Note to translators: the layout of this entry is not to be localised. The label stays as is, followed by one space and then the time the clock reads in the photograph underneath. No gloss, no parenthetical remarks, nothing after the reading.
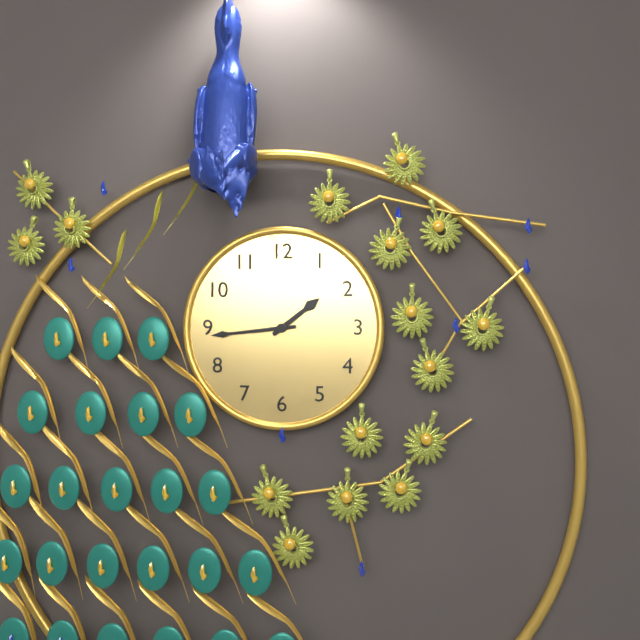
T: 1:44
